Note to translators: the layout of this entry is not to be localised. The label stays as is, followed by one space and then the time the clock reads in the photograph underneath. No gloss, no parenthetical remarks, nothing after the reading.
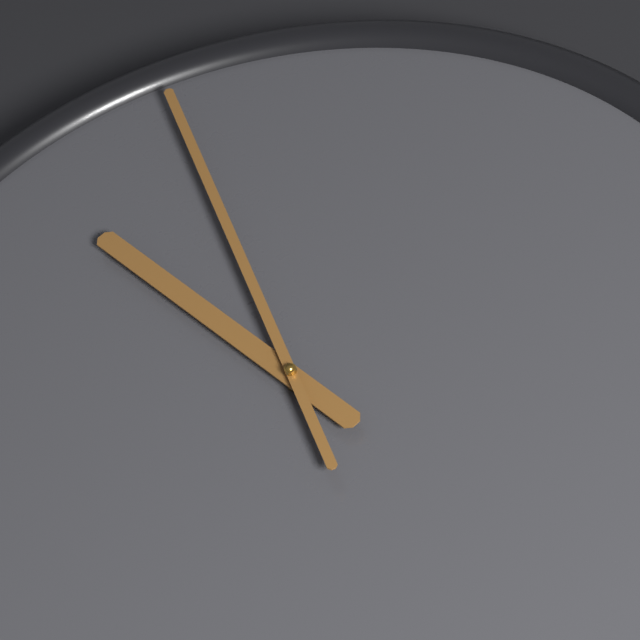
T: 10:59
